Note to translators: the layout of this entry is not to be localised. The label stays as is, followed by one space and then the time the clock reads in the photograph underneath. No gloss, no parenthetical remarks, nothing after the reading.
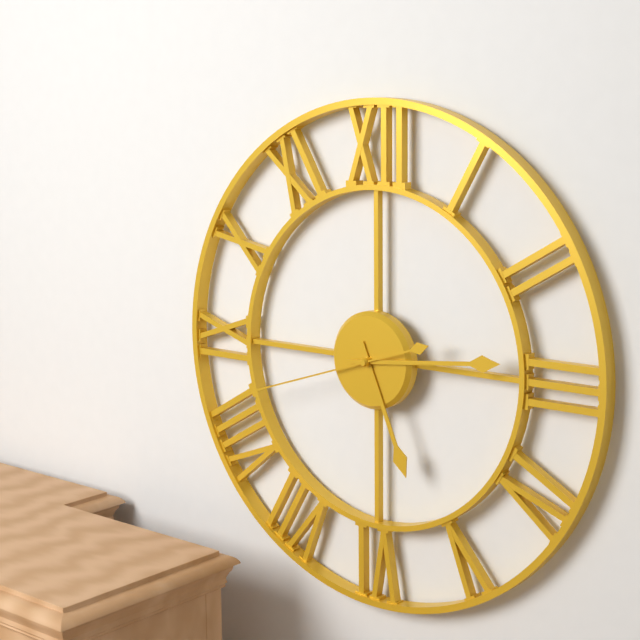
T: 5:14:42
